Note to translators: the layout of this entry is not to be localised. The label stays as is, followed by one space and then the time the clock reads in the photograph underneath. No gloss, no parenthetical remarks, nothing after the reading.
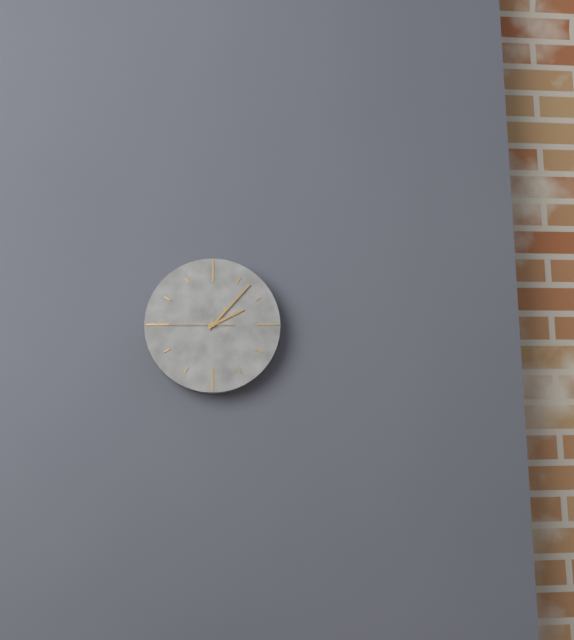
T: 2:07:45
